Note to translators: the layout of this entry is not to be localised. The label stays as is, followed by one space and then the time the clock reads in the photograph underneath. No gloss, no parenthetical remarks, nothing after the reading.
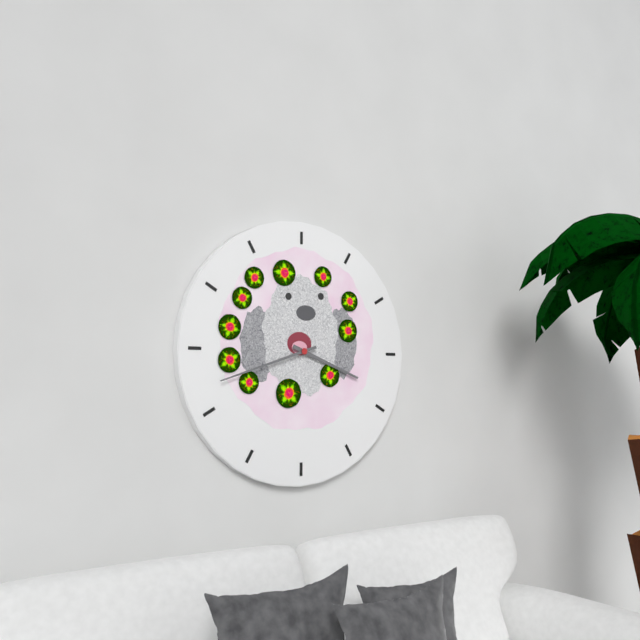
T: 3:42
